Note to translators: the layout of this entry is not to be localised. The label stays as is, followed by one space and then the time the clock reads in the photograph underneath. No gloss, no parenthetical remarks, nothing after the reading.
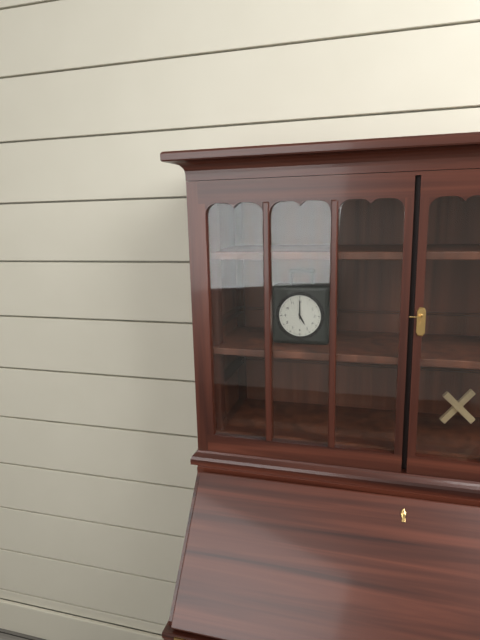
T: 5:00
